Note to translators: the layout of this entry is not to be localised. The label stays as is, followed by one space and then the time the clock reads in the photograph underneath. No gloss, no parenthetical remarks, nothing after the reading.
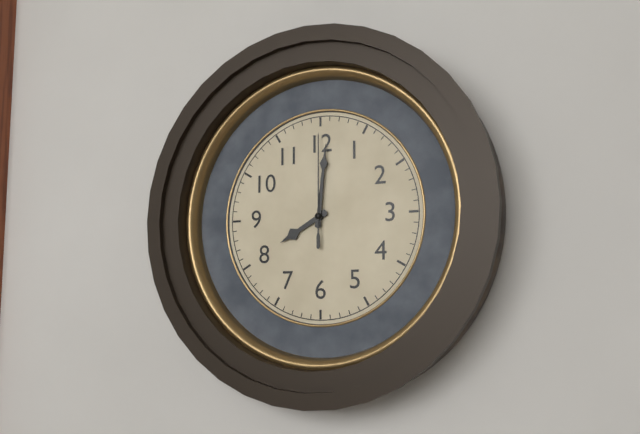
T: 8:01:00
